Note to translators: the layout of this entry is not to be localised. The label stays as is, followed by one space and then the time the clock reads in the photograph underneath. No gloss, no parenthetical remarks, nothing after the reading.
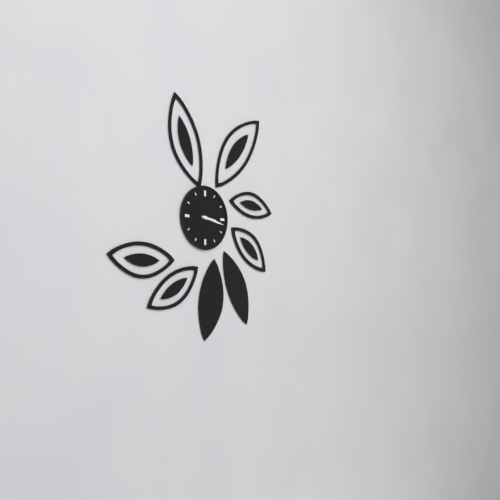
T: 3:17
